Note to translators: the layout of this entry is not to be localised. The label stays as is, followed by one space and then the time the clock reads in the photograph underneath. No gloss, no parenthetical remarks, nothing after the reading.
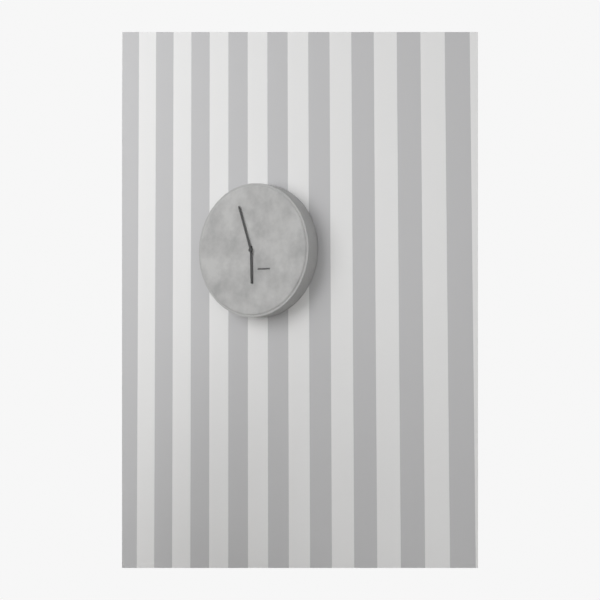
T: 5:57
